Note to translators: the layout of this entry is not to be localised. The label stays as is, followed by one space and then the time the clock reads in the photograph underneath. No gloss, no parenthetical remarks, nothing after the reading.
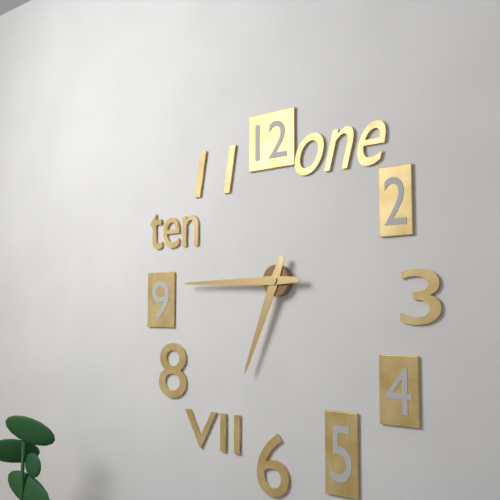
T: 6:45
